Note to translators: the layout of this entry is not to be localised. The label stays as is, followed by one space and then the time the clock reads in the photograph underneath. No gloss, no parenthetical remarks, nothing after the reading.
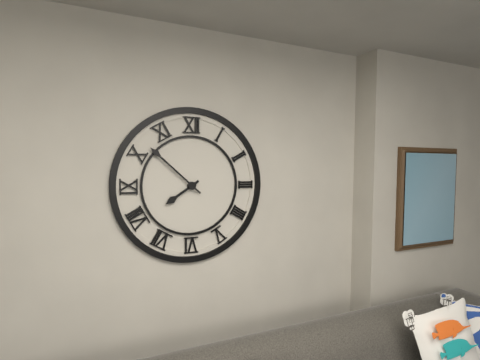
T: 7:52
